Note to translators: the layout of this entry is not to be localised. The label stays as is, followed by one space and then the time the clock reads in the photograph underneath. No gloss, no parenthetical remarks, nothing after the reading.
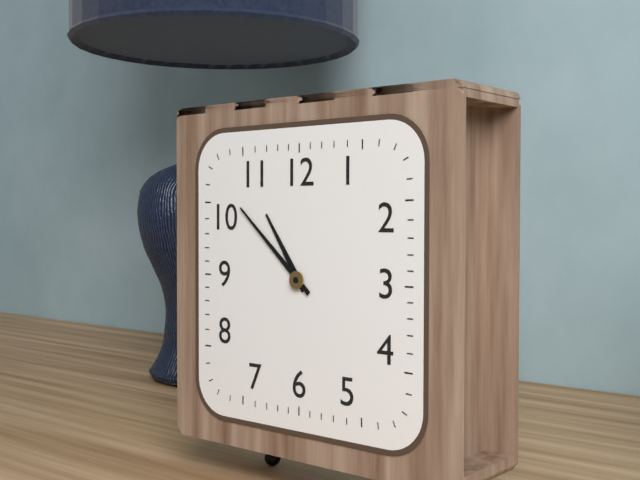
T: 10:52
